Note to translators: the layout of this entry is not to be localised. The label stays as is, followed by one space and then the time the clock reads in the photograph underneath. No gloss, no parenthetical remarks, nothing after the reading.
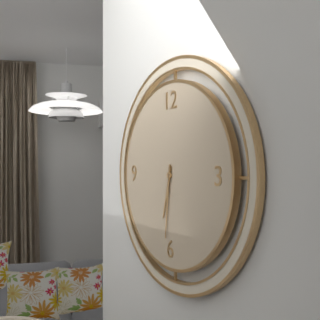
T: 6:31
